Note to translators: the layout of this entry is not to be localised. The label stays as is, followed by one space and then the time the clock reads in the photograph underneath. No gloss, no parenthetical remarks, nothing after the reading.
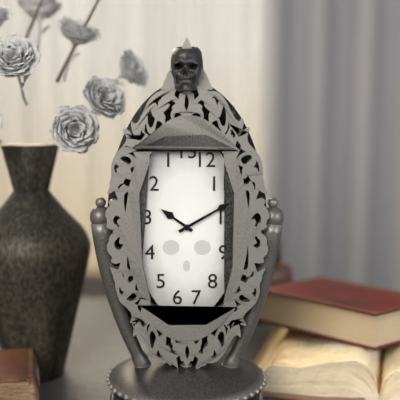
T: 10:10
